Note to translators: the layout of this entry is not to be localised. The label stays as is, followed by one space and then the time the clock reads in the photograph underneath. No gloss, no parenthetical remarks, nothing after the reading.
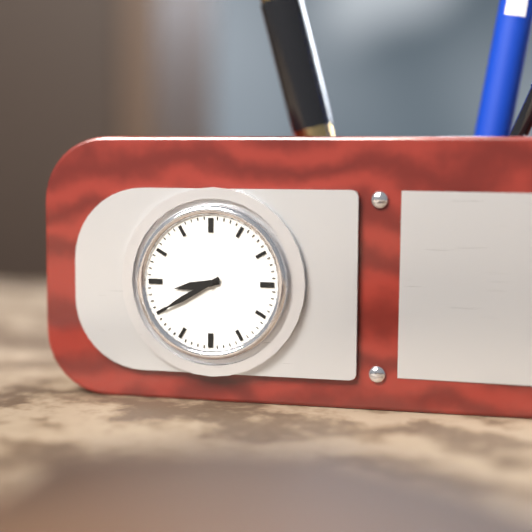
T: 8:40
